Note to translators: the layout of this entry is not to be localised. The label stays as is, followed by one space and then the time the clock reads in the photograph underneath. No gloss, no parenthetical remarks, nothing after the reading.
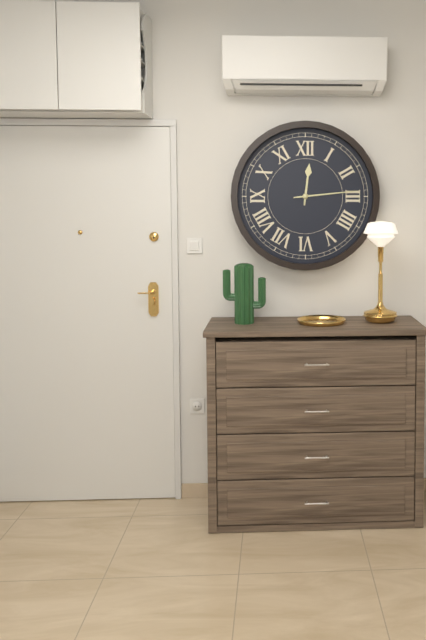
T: 12:14
